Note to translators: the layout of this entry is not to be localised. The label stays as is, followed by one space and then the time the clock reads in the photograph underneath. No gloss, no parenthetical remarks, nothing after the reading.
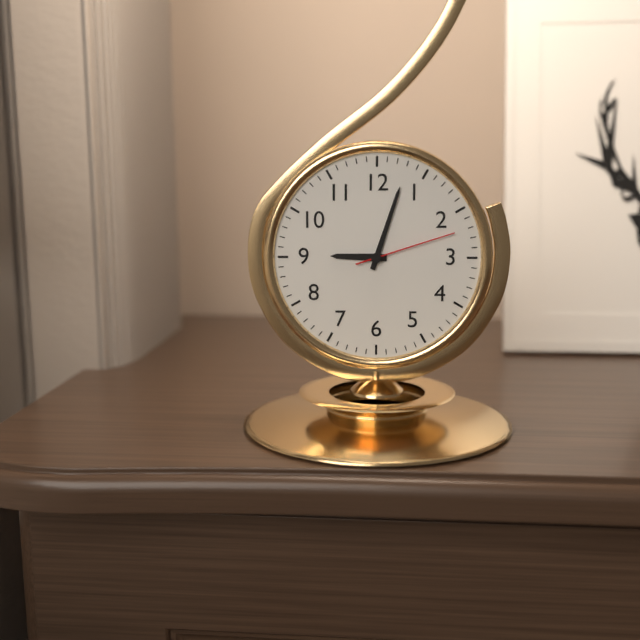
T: 9:03:12
